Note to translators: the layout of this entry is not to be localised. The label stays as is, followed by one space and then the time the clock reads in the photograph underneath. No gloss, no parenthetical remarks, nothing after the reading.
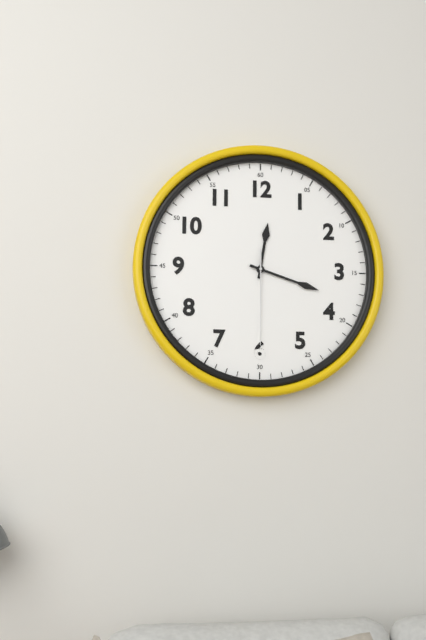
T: 12:18:30
